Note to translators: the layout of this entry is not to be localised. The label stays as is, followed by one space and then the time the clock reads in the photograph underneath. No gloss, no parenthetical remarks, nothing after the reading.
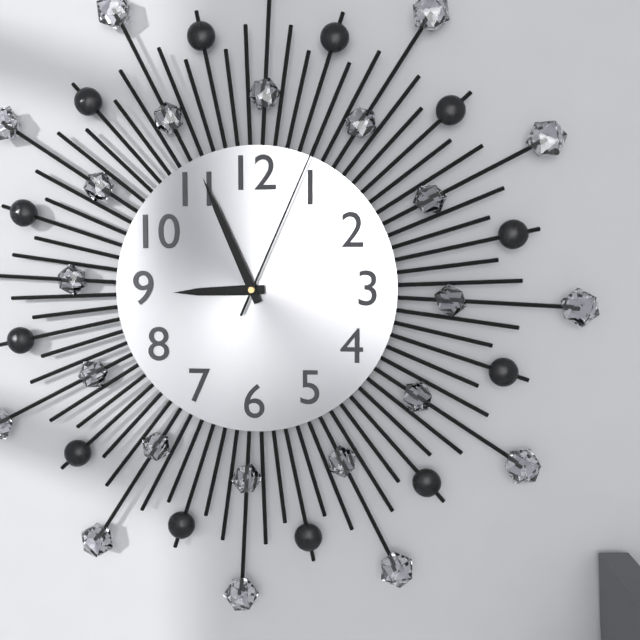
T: 8:56:04
